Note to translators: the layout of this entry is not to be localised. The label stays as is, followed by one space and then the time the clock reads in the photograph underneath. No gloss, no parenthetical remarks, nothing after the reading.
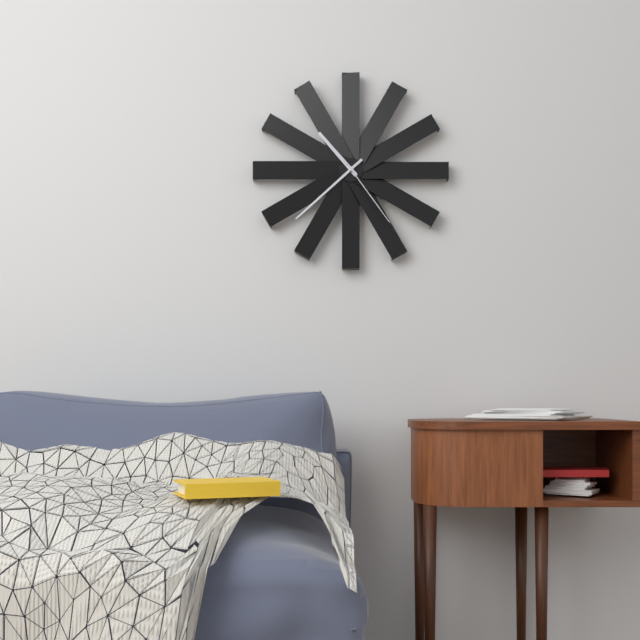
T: 10:38:24
